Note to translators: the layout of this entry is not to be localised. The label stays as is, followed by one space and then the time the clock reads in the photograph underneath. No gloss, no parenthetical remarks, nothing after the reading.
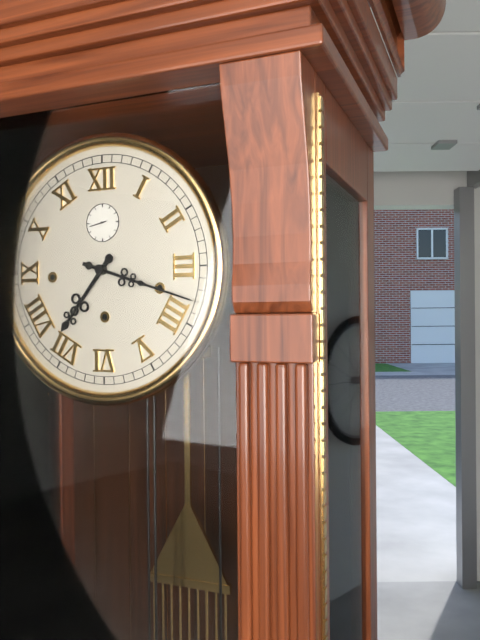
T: 7:18
